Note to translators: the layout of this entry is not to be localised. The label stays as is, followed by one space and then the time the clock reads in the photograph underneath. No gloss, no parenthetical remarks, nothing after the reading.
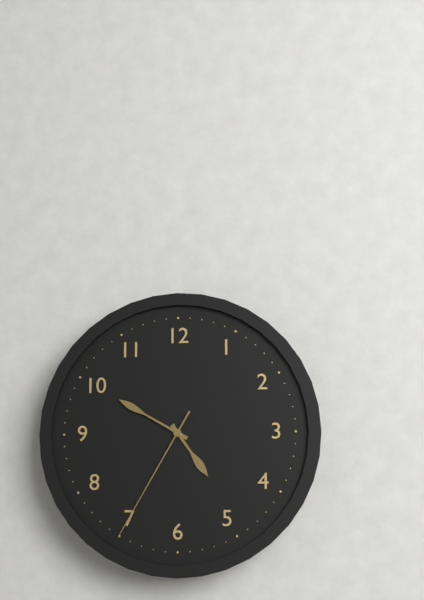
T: 4:50:35
